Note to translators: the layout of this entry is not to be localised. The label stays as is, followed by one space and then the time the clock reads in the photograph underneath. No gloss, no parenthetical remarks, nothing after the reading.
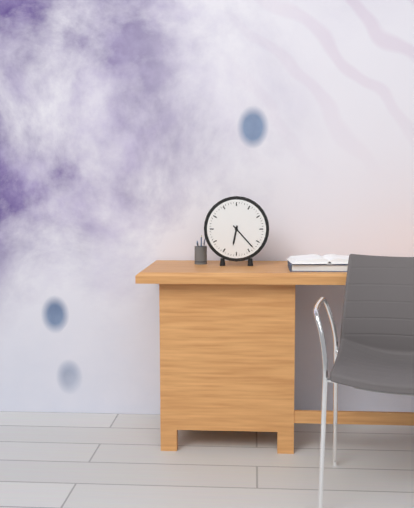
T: 6:23
